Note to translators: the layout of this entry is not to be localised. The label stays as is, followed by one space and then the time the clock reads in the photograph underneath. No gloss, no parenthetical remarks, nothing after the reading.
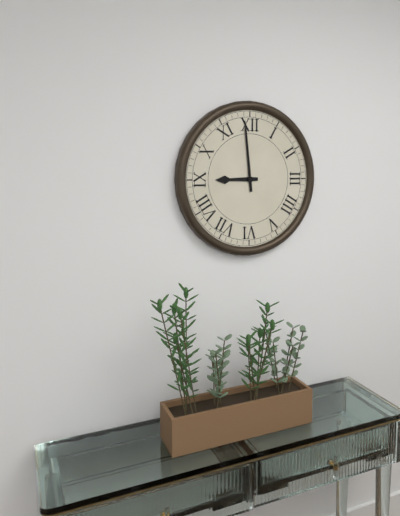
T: 8:59
